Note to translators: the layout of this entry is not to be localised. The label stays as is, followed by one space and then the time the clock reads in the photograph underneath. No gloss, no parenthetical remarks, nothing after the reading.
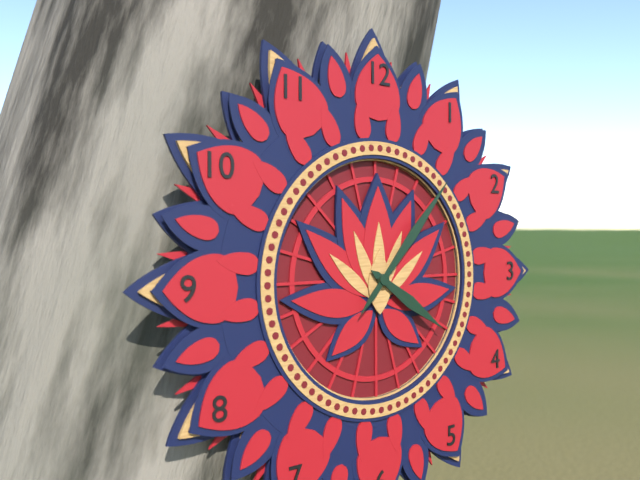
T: 4:07
